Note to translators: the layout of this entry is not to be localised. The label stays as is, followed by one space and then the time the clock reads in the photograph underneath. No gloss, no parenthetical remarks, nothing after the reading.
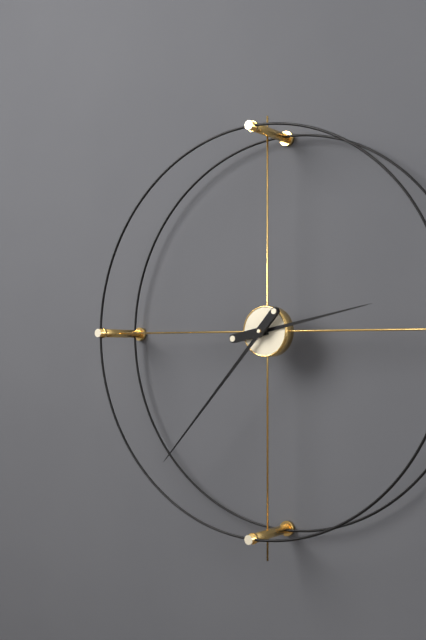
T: 2:37
